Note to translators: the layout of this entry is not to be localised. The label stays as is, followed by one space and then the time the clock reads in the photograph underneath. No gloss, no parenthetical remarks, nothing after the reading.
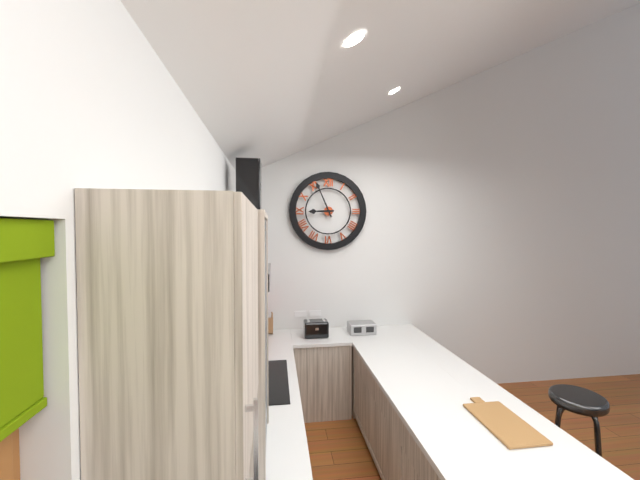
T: 8:56
